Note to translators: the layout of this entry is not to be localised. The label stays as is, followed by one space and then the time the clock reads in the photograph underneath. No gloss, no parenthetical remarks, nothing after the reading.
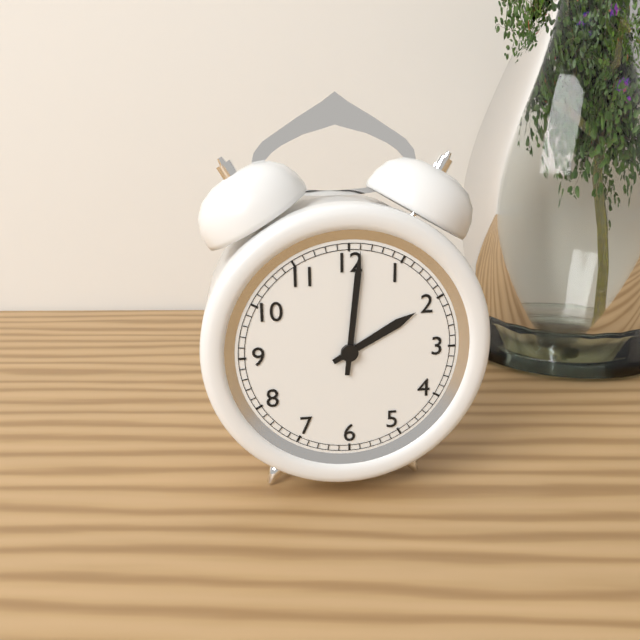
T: 2:01
